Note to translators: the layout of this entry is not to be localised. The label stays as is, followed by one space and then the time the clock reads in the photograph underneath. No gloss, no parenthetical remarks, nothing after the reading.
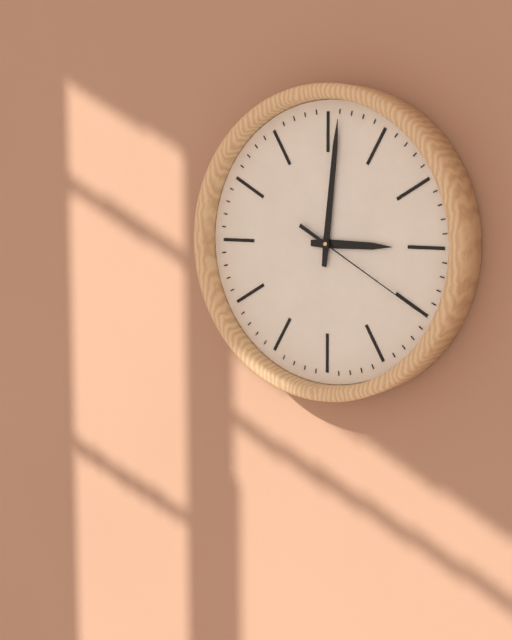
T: 3:01:20
